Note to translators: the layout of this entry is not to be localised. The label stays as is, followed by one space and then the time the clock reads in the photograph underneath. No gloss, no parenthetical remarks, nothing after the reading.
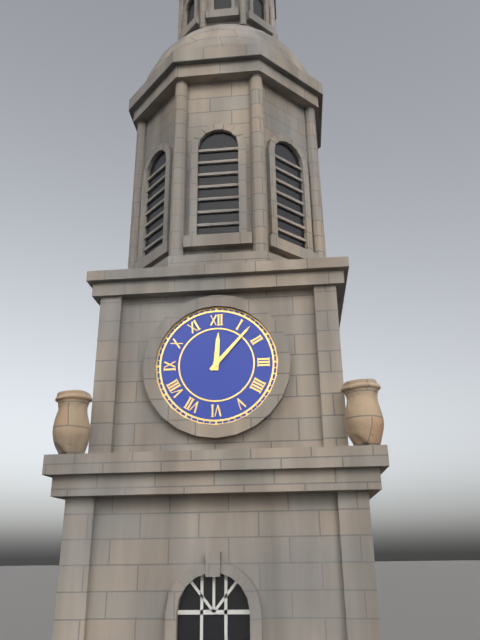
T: 12:07
